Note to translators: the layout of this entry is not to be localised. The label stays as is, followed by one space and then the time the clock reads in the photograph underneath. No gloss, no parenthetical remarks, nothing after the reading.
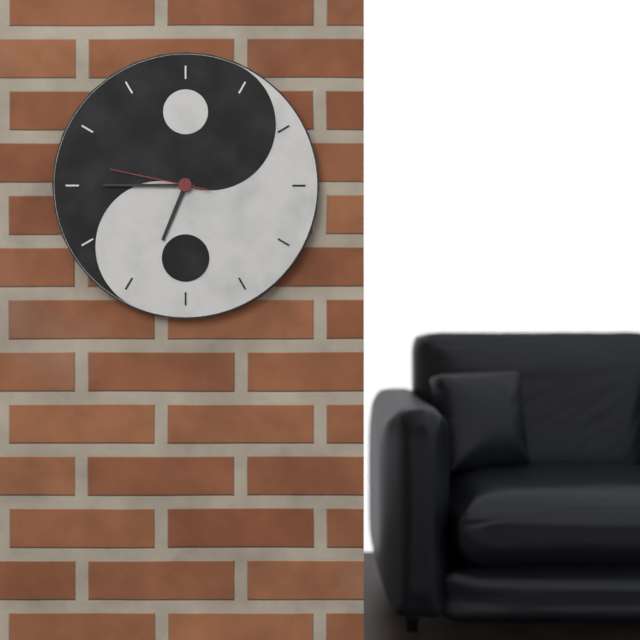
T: 6:45:47
